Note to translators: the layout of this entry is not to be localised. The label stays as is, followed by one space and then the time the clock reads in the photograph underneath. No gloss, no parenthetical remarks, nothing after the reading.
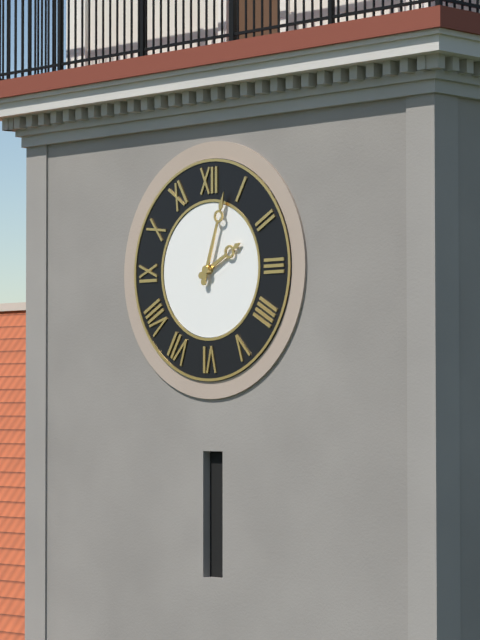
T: 2:03
